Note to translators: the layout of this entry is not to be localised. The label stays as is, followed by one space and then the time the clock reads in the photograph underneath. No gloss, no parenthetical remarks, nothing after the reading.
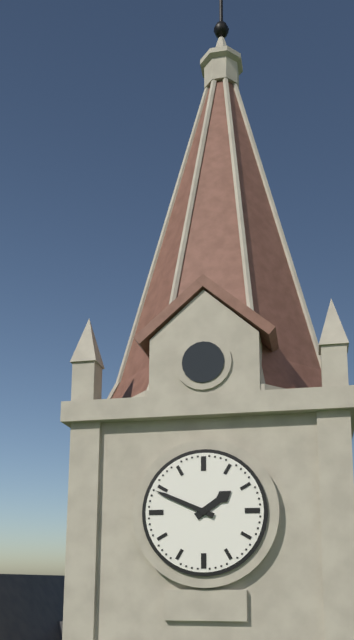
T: 1:49
